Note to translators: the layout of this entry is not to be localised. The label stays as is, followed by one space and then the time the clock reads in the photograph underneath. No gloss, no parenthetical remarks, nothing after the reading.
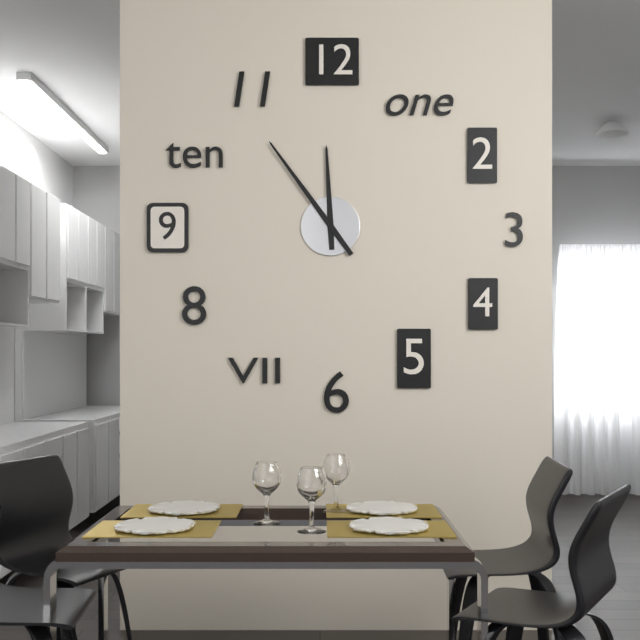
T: 11:54
